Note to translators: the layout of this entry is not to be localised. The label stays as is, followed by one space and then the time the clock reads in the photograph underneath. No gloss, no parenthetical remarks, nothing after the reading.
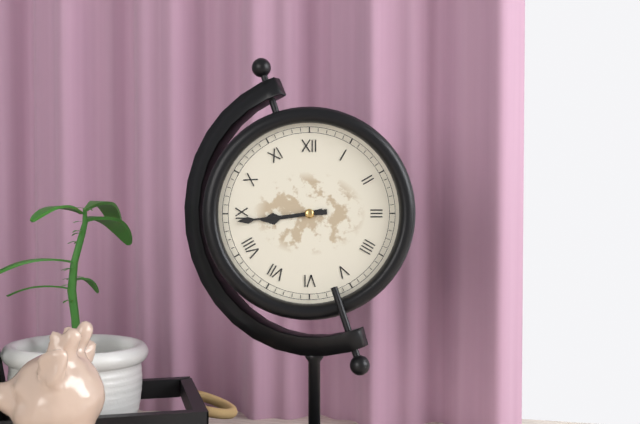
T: 8:44
